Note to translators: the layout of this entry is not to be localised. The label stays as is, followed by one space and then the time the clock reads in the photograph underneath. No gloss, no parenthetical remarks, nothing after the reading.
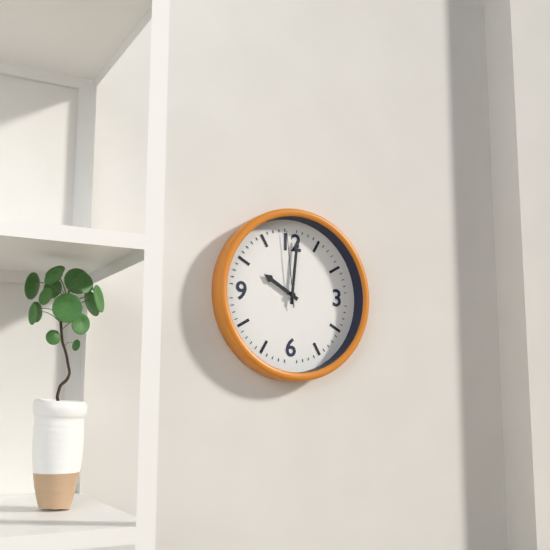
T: 10:01:59
